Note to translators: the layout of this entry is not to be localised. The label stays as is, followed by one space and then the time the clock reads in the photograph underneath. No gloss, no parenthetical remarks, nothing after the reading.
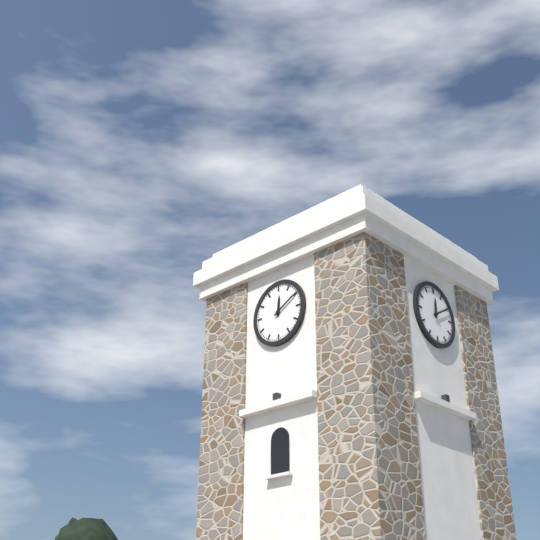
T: 12:10
